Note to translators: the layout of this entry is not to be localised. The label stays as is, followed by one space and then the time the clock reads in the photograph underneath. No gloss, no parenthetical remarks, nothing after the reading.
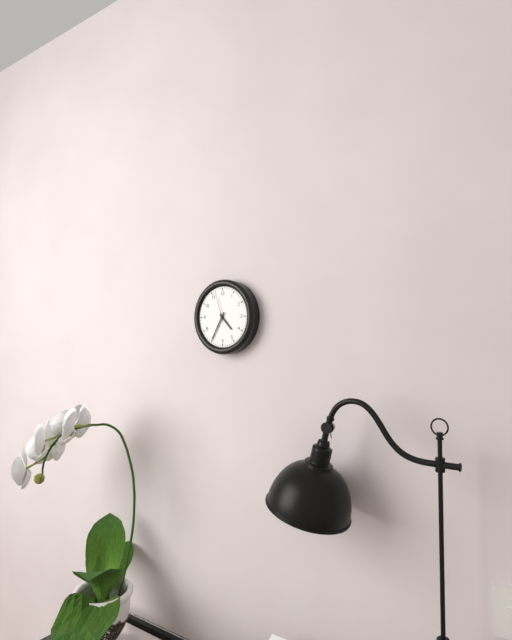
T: 4:35
